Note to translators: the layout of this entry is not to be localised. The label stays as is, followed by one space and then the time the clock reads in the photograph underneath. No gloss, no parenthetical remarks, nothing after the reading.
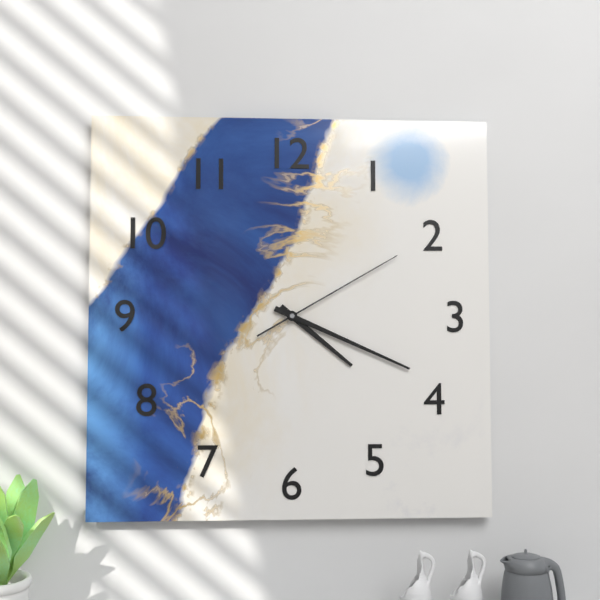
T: 4:19:10
